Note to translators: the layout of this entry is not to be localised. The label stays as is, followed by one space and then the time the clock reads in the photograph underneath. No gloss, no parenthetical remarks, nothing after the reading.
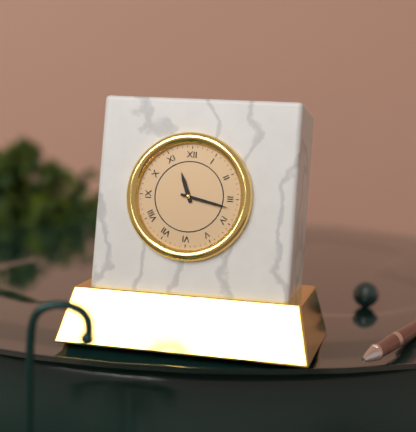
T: 11:17
